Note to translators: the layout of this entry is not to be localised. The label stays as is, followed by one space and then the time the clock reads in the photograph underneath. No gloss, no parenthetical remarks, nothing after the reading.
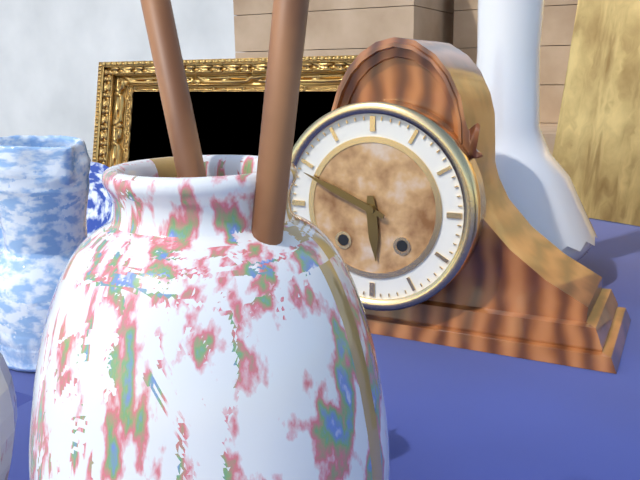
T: 5:49
